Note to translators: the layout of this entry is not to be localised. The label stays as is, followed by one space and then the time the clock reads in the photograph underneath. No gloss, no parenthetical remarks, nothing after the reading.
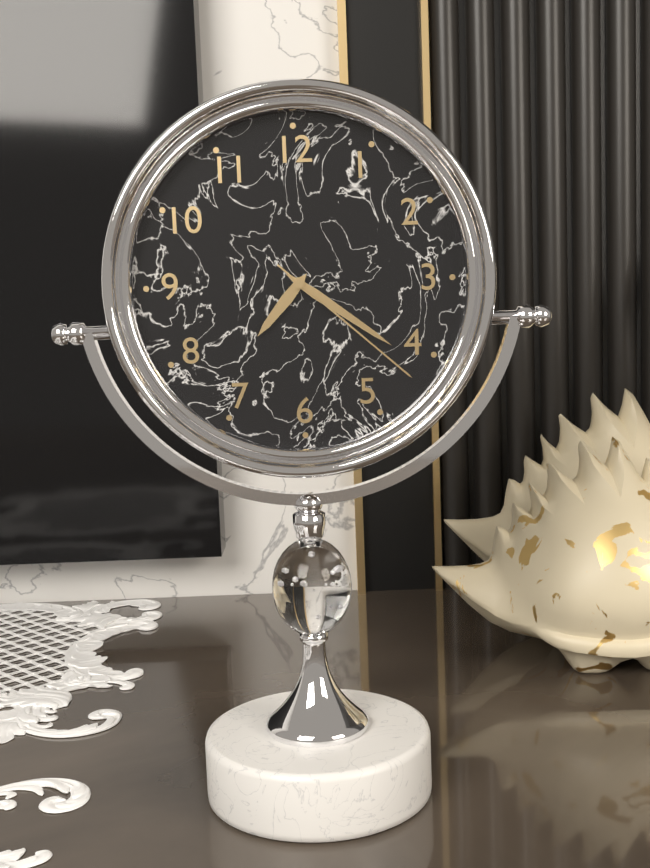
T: 7:21:22
